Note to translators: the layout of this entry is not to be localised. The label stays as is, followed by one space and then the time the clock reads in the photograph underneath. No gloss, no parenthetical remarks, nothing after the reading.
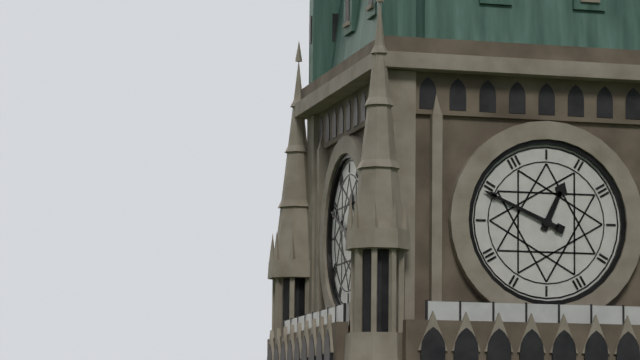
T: 12:49
